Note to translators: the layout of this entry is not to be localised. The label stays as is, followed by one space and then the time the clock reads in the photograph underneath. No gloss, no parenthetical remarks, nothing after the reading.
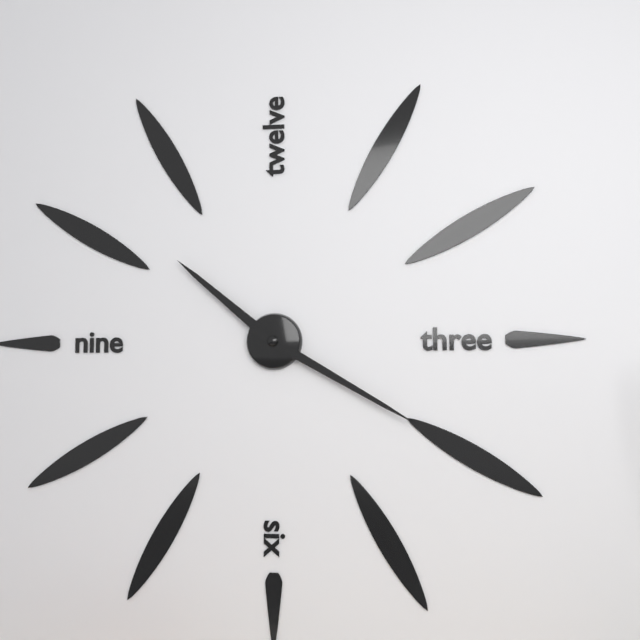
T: 10:20
